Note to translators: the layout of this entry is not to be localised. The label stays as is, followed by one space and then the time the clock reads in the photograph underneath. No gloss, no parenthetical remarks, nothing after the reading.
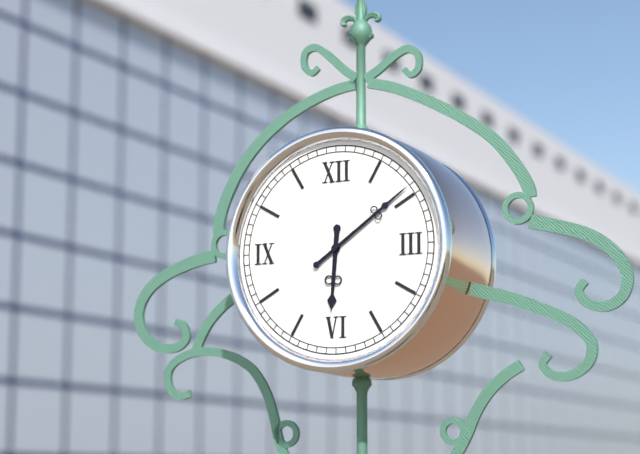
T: 6:09
